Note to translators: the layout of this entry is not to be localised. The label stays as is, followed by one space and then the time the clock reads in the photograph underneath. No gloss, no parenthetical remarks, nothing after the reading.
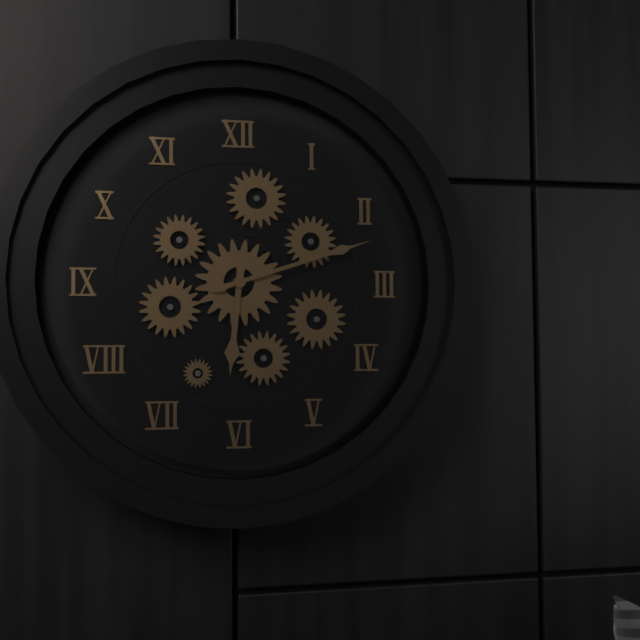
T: 6:12
